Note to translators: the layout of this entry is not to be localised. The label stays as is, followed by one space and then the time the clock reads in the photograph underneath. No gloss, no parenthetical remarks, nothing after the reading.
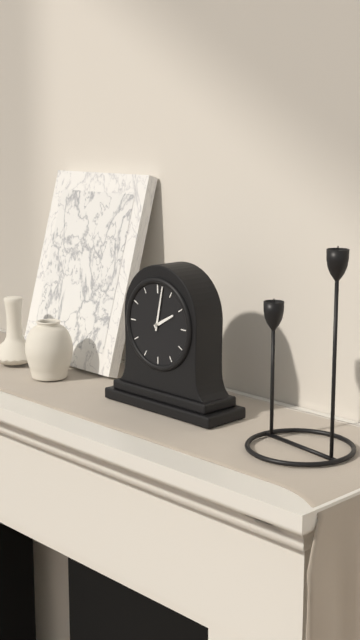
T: 2:02
